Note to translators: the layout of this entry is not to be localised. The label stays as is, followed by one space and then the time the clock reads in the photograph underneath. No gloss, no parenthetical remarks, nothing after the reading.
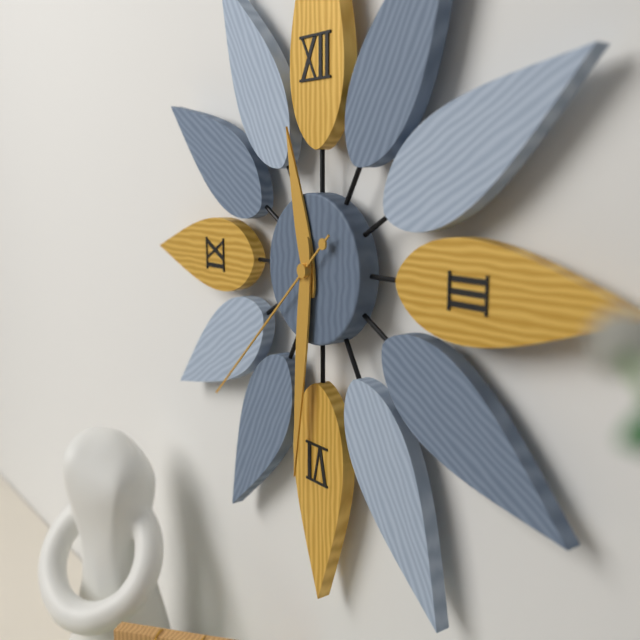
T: 11:31:38
